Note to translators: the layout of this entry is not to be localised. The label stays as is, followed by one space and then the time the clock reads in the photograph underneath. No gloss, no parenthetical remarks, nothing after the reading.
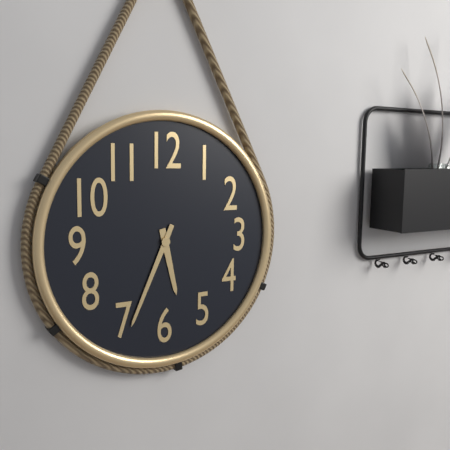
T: 5:34
